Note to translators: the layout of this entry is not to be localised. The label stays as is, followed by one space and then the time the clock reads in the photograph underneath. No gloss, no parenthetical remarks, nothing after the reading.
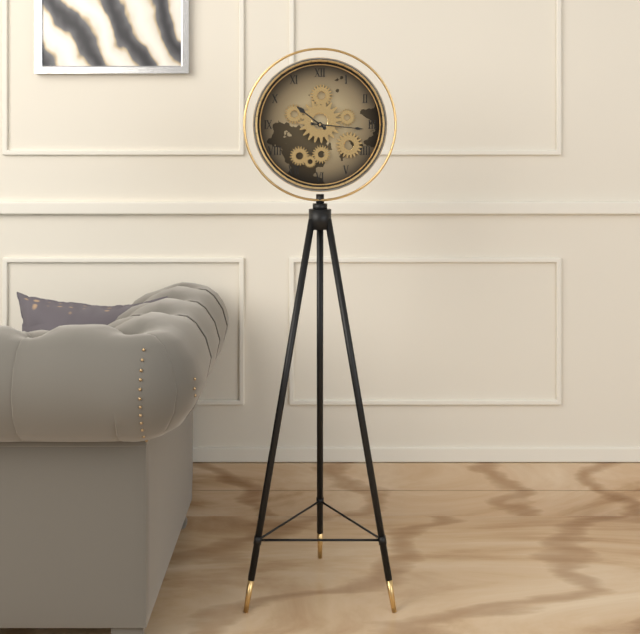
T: 10:16
